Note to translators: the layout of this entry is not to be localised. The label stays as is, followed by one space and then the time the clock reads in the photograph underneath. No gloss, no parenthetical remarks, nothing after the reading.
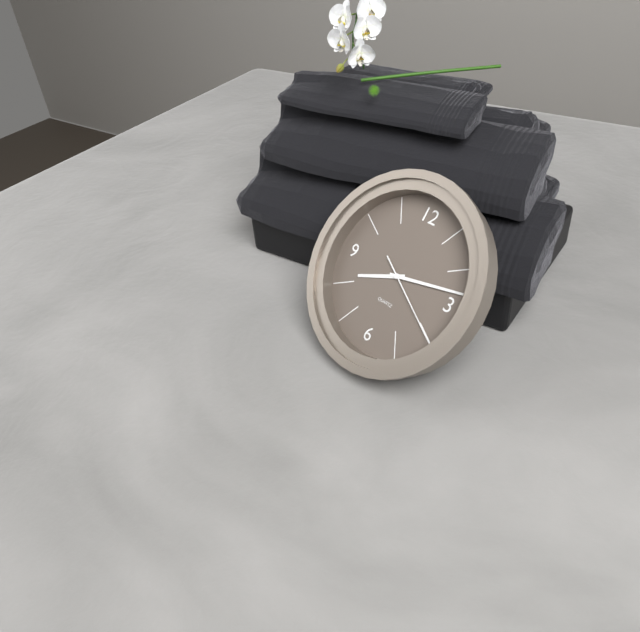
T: 8:13:20
